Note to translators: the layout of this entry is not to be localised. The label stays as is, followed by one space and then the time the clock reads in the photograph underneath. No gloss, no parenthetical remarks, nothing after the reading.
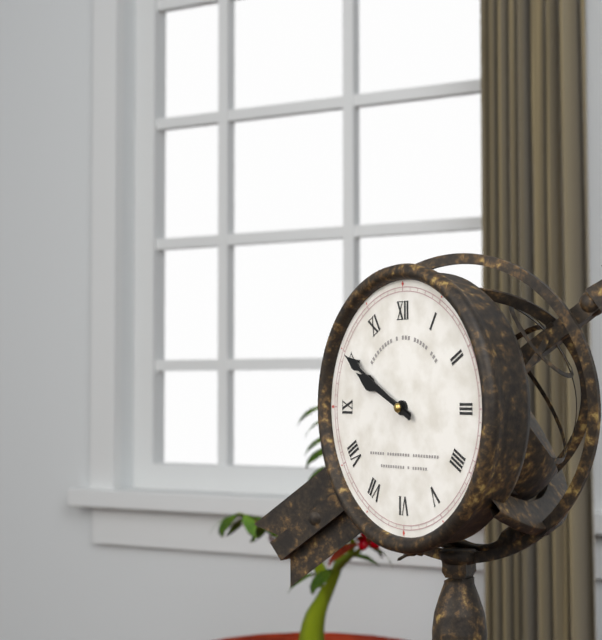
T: 9:50
